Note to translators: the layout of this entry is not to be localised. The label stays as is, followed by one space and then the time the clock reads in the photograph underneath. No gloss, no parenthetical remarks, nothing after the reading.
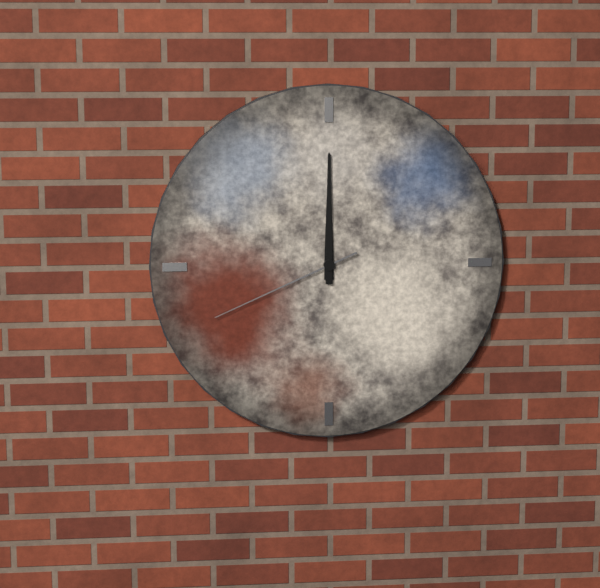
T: 12:00:41
